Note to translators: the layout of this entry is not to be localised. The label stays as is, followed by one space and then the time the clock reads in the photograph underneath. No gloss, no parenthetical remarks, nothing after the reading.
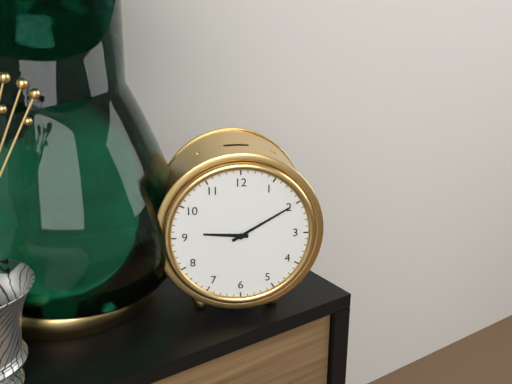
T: 9:10
